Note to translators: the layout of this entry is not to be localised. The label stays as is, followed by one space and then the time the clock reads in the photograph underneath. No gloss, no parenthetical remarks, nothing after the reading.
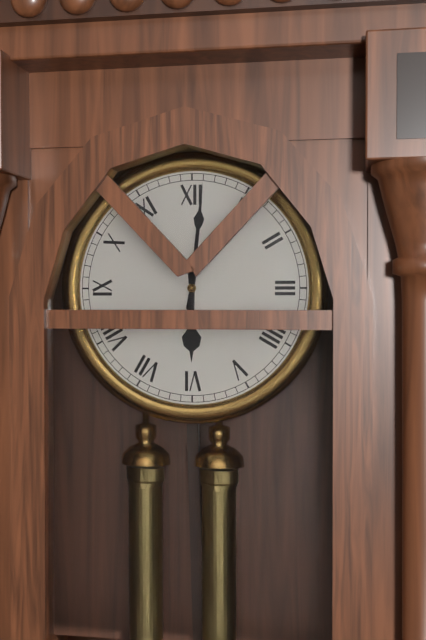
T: 6:01
